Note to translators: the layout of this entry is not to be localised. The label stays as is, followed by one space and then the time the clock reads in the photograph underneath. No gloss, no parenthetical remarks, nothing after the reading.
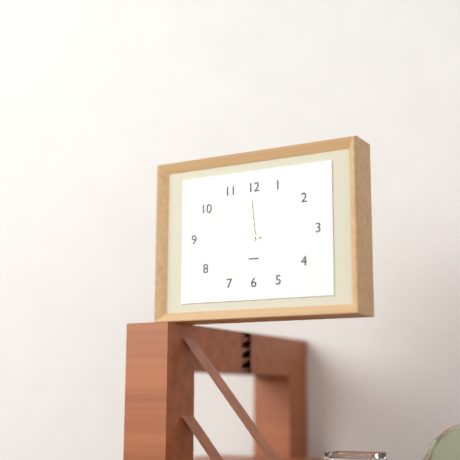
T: 11:50
